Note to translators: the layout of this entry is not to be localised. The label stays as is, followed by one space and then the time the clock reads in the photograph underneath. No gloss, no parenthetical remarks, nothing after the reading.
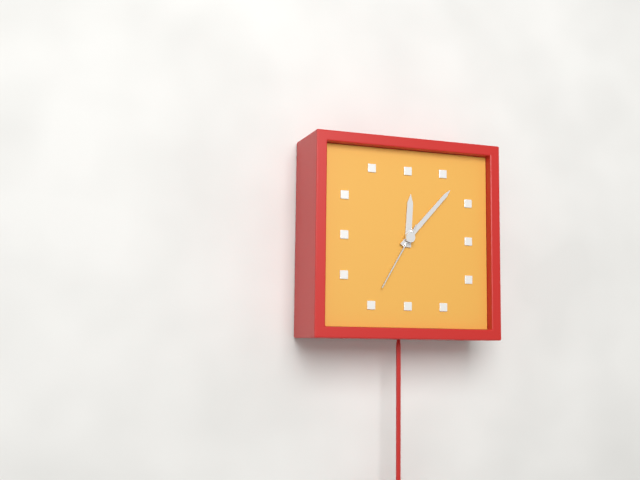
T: 12:07:35
